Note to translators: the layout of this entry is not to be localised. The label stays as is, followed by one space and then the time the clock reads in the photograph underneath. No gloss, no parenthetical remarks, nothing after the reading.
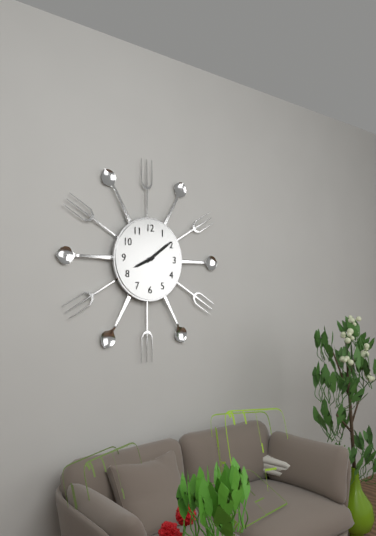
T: 8:09
